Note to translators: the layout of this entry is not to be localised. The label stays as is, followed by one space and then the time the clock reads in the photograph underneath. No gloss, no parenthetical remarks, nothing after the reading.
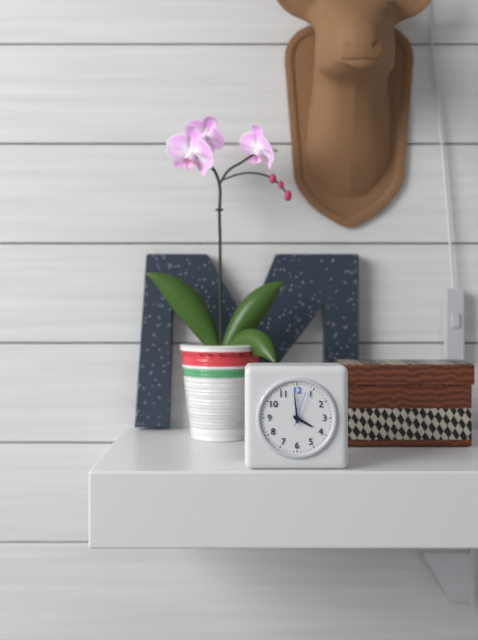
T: 3:59
